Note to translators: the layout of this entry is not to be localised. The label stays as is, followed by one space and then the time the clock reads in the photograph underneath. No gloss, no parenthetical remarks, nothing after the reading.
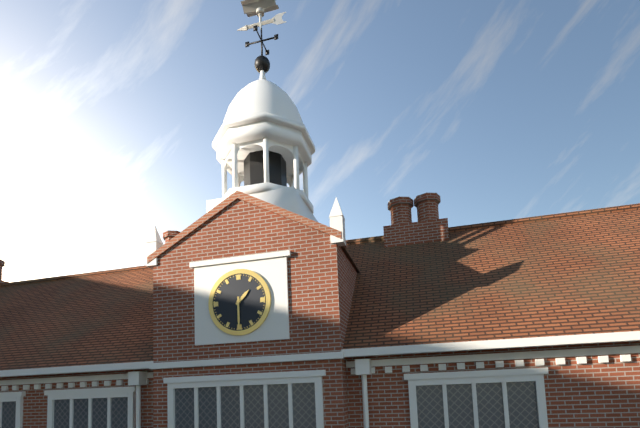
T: 1:30
